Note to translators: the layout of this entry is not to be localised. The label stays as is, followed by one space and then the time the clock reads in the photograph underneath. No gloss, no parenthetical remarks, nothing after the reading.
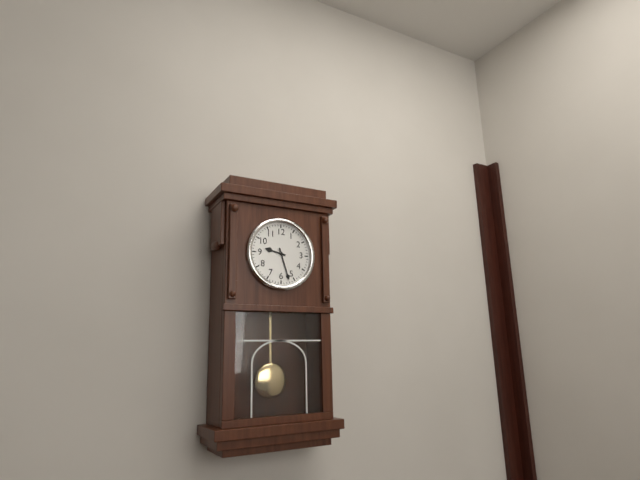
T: 9:27
